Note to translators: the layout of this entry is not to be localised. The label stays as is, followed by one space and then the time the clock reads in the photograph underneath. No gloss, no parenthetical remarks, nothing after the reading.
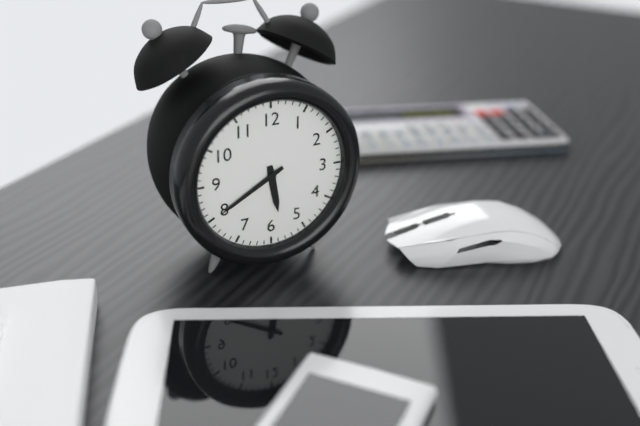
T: 5:40
